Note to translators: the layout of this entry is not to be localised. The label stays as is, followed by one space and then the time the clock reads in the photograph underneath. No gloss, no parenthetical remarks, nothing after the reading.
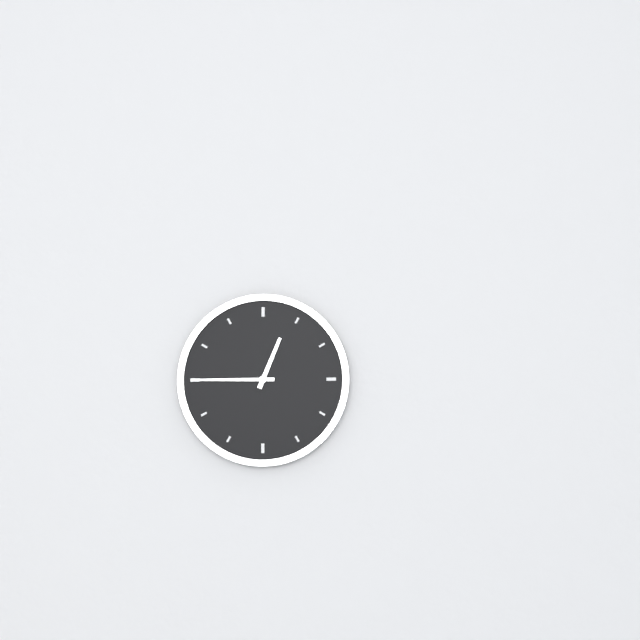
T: 12:45
